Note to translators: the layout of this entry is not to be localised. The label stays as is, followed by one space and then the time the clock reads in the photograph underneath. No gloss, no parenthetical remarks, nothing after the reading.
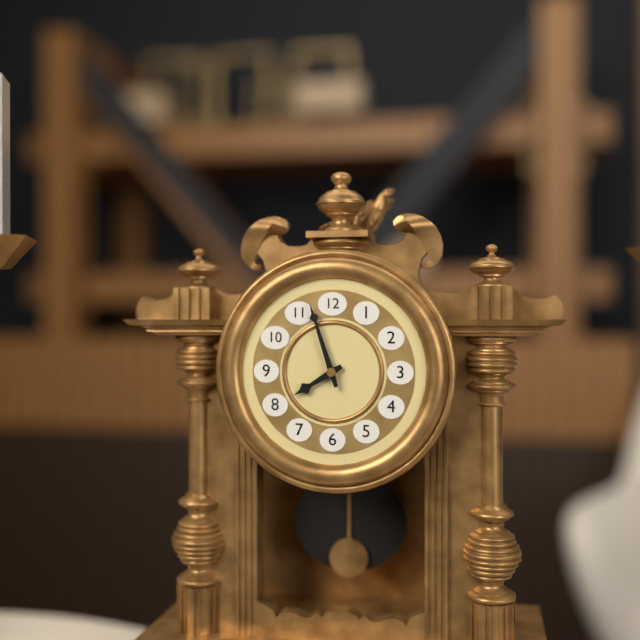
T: 7:57
